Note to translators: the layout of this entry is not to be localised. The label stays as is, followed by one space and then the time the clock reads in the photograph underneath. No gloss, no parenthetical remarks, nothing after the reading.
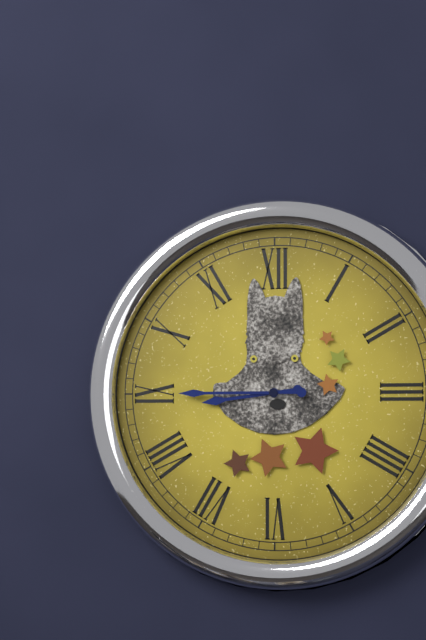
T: 8:45
